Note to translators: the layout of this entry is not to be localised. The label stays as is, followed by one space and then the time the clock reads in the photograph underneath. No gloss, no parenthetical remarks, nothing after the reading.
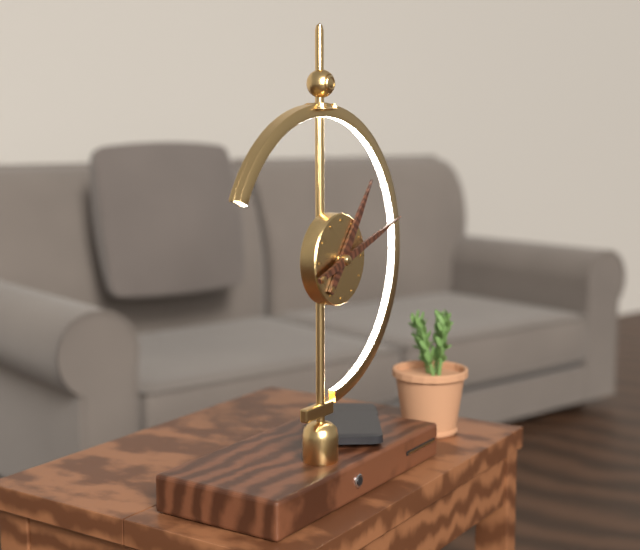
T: 1:12
